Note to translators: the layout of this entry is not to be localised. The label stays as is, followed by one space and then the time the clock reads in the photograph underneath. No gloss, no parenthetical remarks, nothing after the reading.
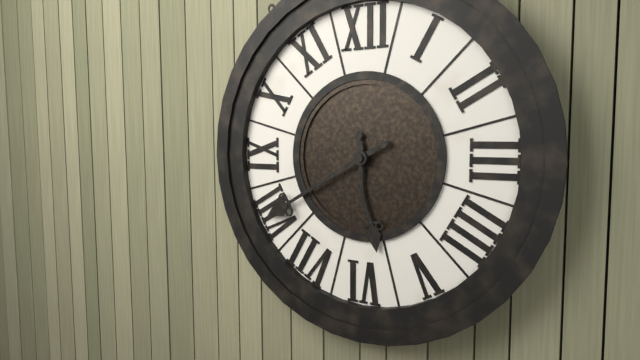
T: 5:40
